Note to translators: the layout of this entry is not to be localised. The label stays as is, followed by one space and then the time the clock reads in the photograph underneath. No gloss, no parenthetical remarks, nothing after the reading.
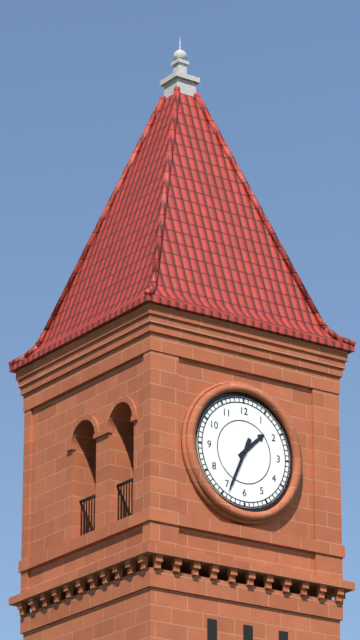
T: 1:34
